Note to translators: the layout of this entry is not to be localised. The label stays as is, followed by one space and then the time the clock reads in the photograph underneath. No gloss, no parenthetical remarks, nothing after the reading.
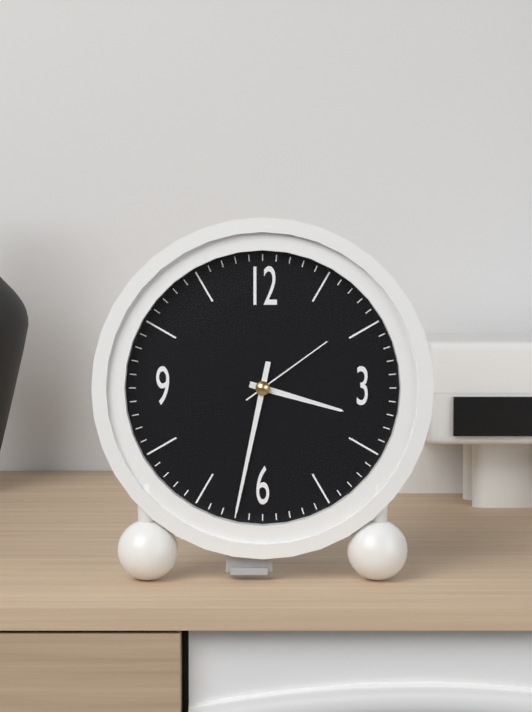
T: 3:32:09
